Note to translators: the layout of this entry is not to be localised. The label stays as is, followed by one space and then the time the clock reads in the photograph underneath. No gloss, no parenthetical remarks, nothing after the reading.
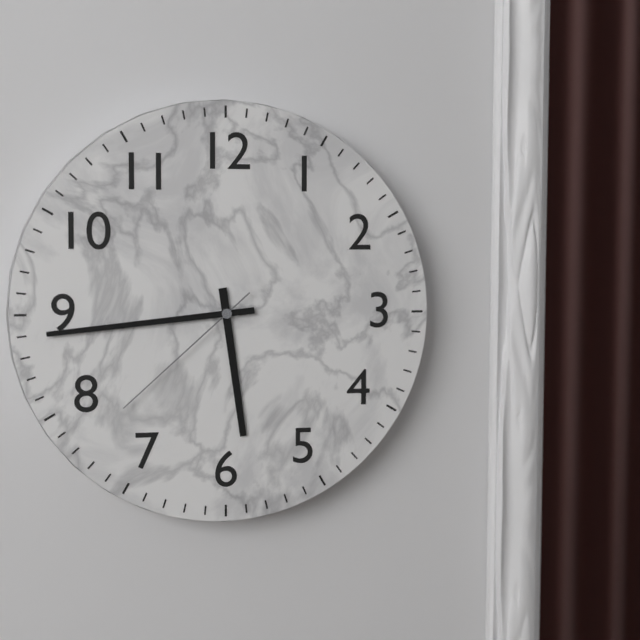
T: 5:44:38
